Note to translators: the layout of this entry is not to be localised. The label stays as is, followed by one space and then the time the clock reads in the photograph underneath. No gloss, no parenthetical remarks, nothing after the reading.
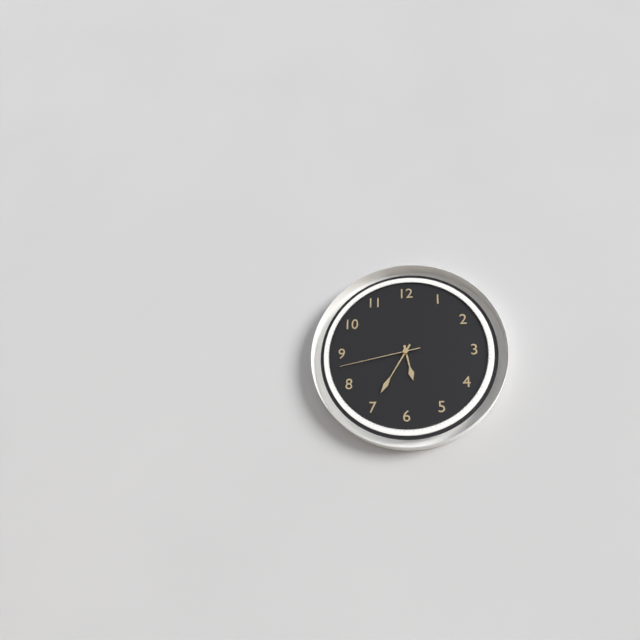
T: 5:35:43
